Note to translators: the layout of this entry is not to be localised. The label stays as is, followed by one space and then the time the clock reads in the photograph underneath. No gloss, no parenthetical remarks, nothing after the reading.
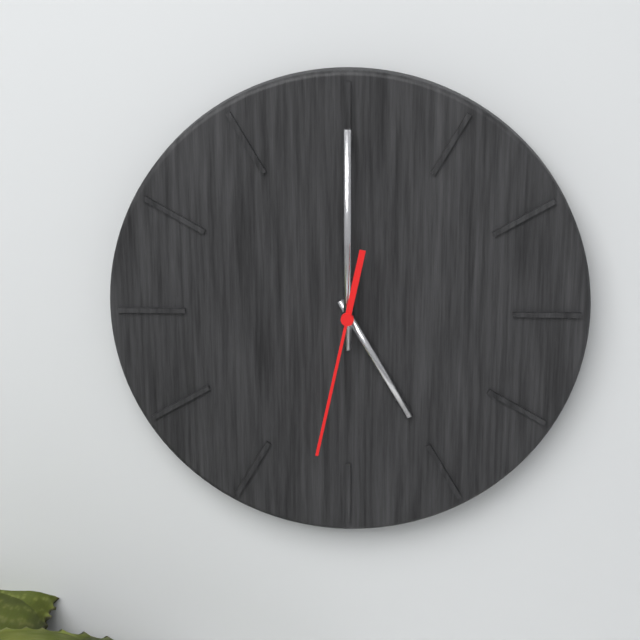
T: 5:00:32
